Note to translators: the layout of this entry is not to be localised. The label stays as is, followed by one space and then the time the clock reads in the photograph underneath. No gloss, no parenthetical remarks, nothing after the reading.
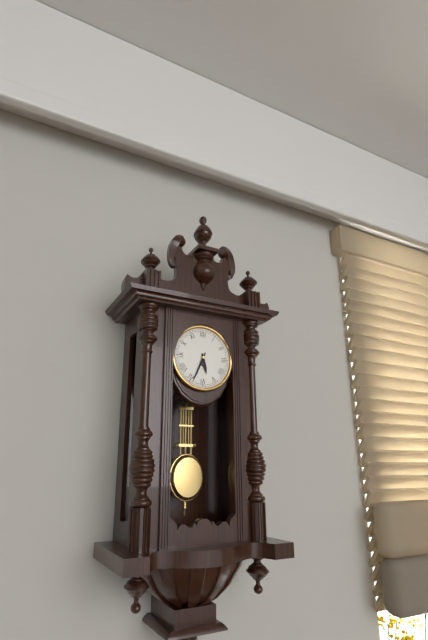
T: 5:34
